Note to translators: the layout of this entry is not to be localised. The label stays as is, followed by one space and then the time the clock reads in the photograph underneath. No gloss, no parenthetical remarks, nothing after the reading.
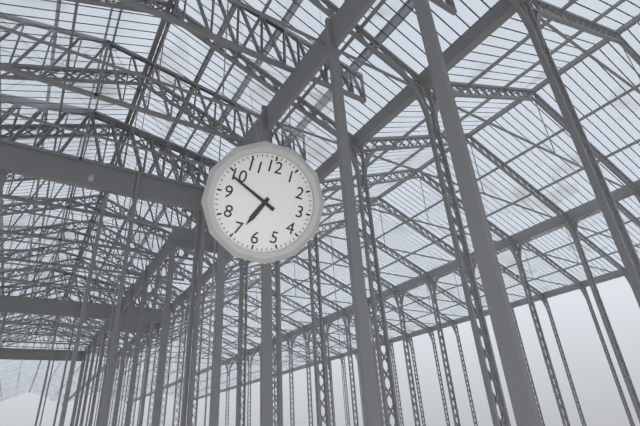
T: 6:49
